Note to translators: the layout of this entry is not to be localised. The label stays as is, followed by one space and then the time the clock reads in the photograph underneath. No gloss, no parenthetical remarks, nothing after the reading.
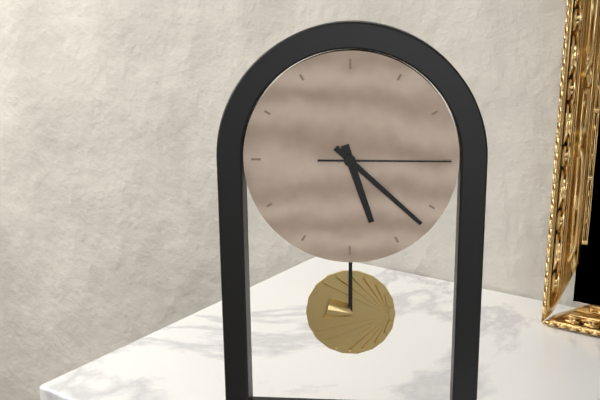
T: 5:22:15
